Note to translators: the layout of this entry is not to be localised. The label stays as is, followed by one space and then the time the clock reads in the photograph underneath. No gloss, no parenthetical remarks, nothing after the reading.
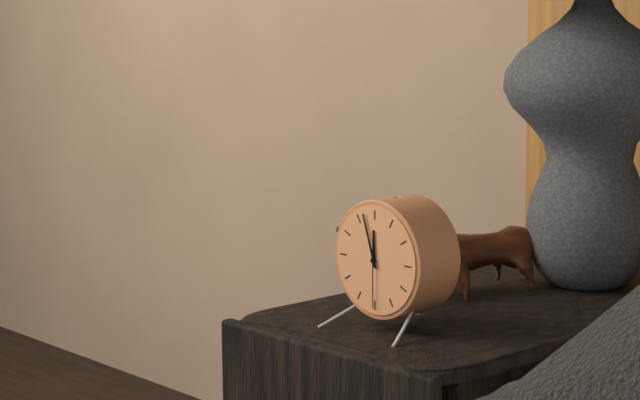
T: 11:57:30
